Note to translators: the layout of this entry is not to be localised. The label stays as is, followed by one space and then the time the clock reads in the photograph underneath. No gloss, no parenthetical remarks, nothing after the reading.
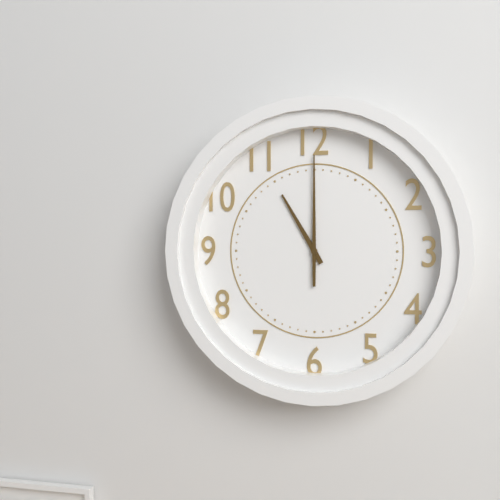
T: 11:00
